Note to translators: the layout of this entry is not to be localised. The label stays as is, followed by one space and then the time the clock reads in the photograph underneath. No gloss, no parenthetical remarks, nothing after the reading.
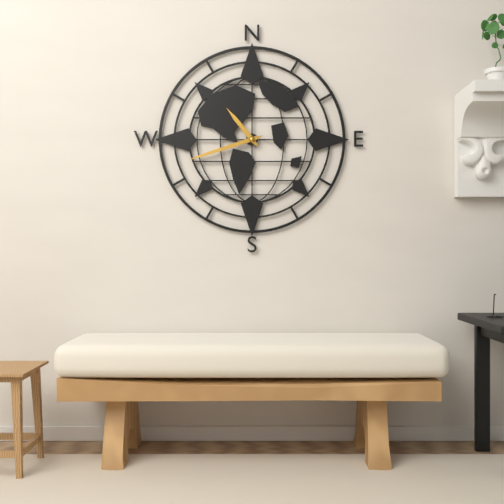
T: 10:42
